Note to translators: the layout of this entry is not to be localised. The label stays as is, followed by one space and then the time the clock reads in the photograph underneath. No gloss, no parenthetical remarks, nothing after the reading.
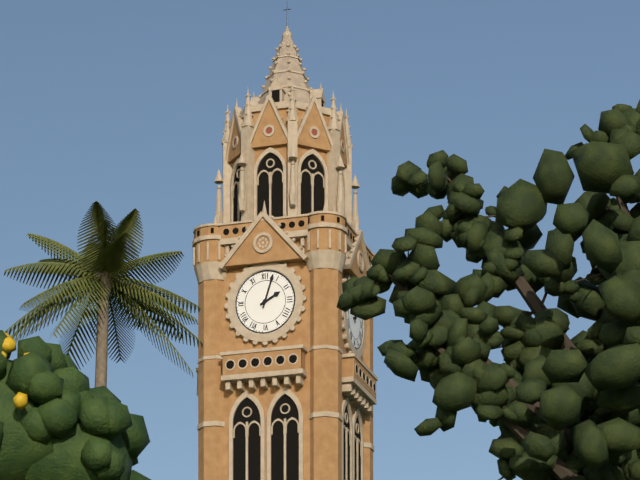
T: 2:03
